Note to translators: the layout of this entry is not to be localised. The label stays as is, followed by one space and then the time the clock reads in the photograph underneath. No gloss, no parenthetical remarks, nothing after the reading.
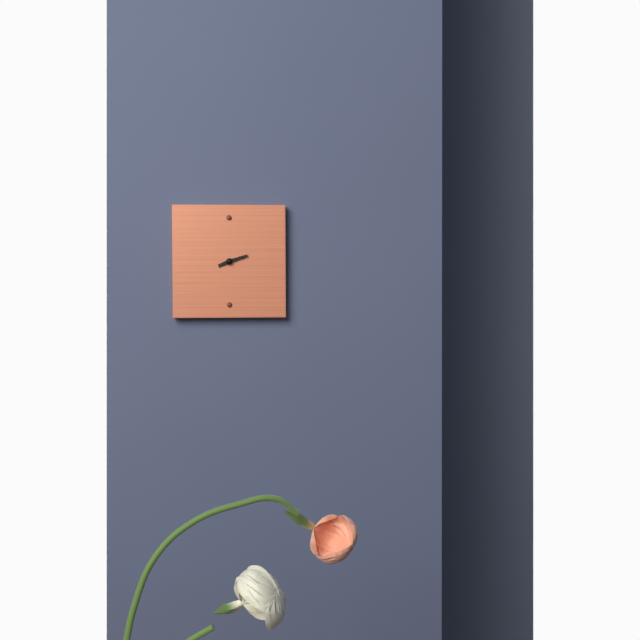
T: 8:12
